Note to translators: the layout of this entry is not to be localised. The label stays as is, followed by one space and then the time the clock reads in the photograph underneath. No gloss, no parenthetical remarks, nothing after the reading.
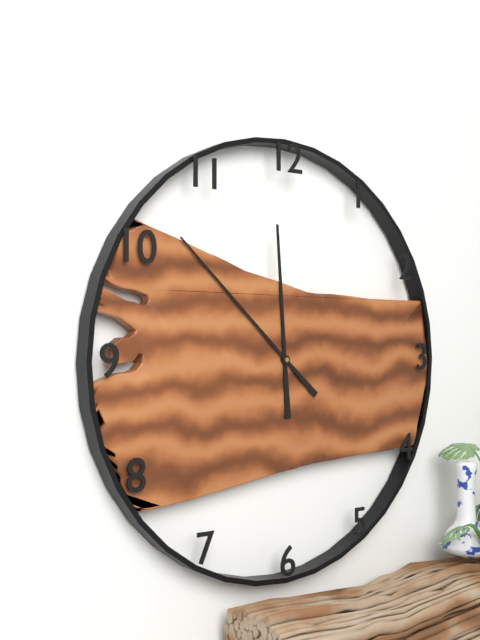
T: 11:52
